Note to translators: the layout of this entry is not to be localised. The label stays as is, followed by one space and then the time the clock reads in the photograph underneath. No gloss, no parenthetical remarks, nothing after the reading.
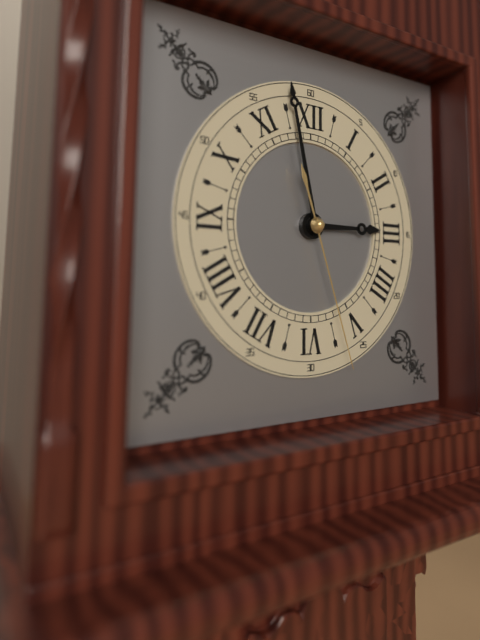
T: 2:58:27
